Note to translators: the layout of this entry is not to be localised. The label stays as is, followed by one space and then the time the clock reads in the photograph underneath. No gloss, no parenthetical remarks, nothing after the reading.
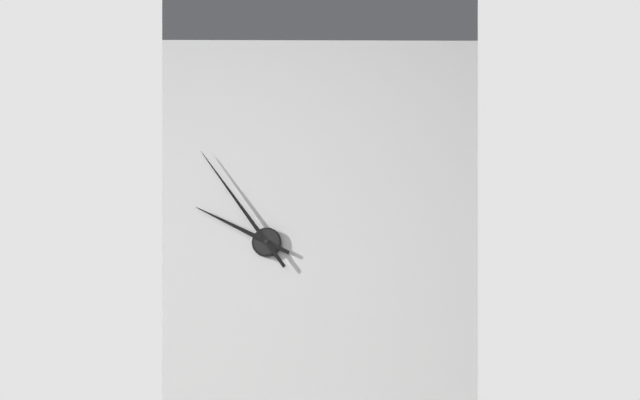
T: 9:54
